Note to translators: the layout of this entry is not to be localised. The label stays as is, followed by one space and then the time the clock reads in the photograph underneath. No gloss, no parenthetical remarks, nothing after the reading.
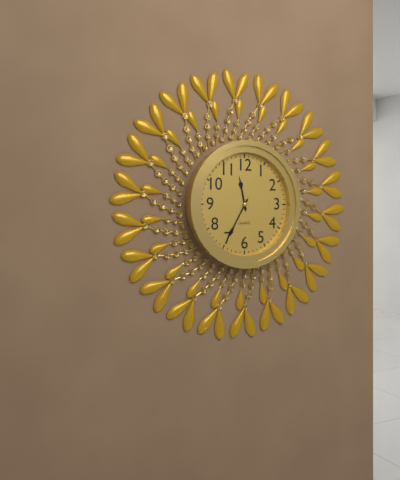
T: 11:35
